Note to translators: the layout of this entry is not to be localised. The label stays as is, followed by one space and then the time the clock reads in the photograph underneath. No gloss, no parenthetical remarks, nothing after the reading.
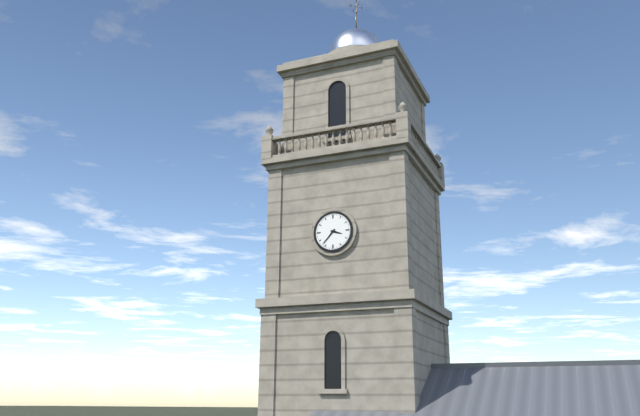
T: 3:37
